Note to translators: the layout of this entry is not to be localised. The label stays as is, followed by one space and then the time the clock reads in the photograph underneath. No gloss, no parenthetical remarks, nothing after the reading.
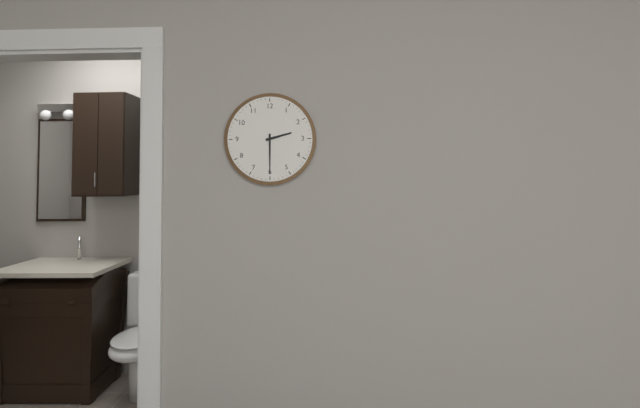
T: 2:30
